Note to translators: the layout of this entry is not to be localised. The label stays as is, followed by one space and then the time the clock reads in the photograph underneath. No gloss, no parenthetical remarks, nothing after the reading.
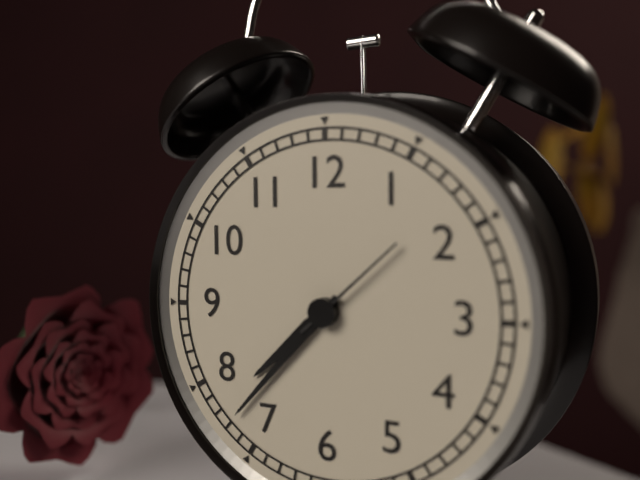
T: 7:37:08
